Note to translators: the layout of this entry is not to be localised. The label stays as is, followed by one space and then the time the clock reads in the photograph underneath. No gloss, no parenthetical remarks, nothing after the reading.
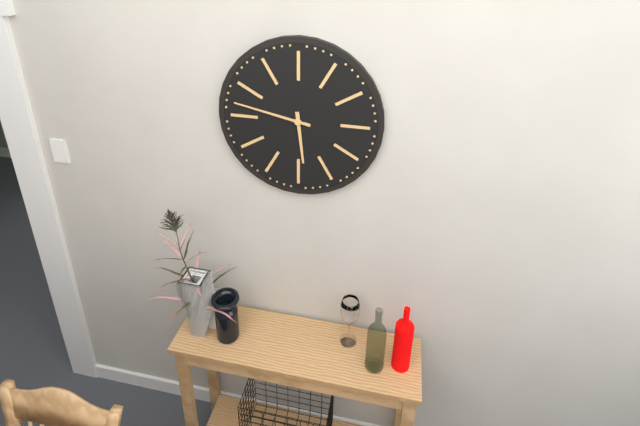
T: 5:47
